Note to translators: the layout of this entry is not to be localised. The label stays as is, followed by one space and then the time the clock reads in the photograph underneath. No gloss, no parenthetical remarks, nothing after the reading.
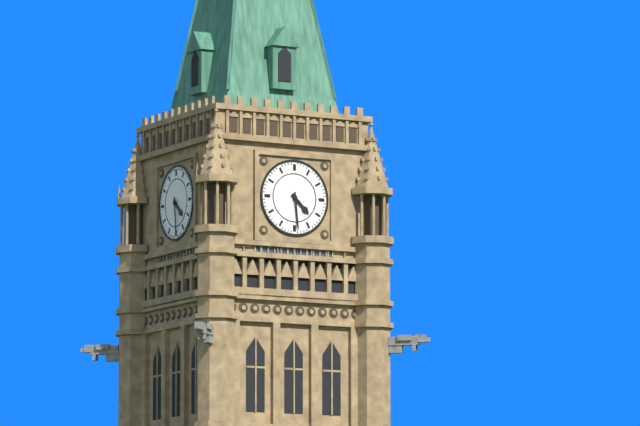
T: 4:29
